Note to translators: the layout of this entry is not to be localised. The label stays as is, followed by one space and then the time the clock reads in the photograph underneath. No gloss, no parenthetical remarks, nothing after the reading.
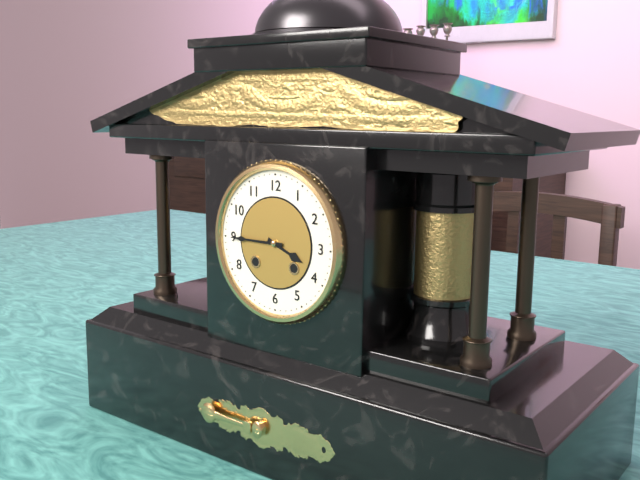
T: 3:45
